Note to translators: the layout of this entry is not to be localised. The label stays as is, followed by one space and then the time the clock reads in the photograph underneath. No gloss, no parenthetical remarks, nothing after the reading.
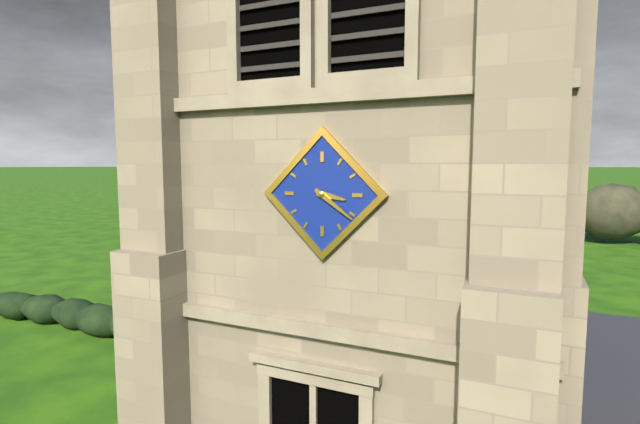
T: 3:21
